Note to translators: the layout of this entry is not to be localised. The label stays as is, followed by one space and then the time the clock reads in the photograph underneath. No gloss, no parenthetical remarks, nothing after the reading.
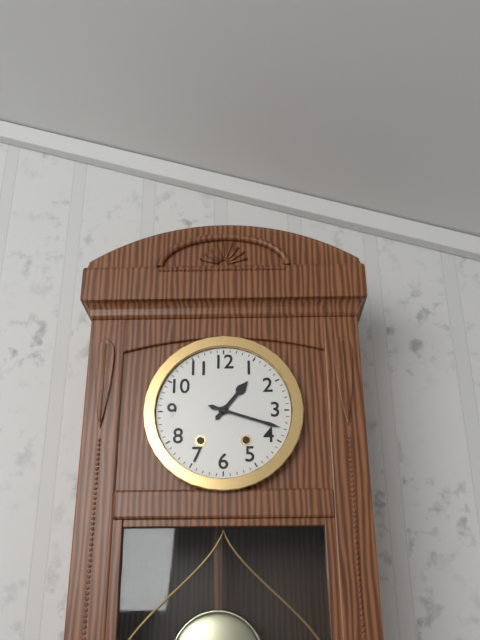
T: 1:18
